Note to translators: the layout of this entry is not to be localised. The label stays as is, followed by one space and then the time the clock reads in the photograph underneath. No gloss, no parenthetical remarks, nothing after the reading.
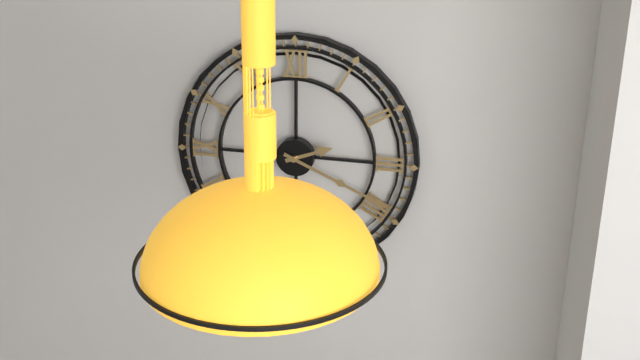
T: 2:19
